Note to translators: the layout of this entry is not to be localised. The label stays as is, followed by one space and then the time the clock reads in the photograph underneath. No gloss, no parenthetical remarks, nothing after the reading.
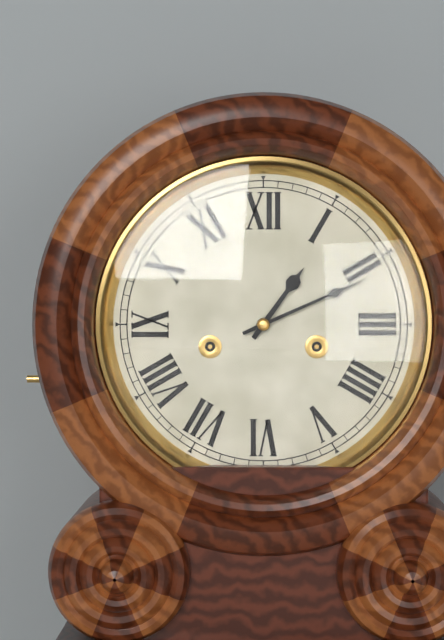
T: 1:11
